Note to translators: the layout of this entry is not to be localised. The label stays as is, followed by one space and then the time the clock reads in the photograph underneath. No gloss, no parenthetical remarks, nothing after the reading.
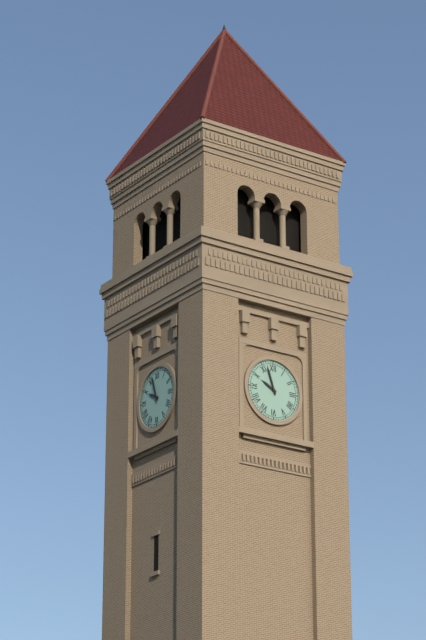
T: 9:57
